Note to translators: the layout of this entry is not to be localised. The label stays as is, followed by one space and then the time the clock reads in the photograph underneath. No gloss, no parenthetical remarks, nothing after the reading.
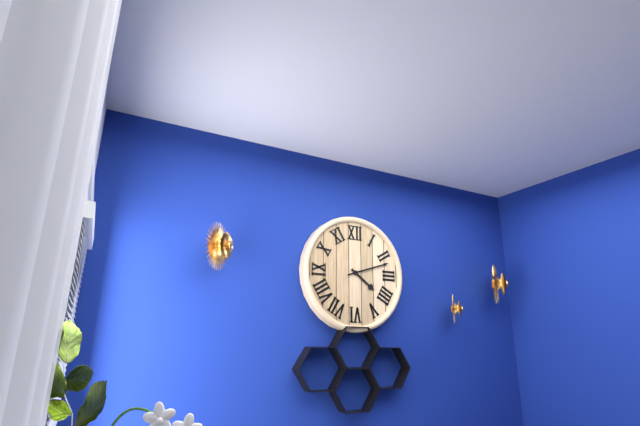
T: 4:12
